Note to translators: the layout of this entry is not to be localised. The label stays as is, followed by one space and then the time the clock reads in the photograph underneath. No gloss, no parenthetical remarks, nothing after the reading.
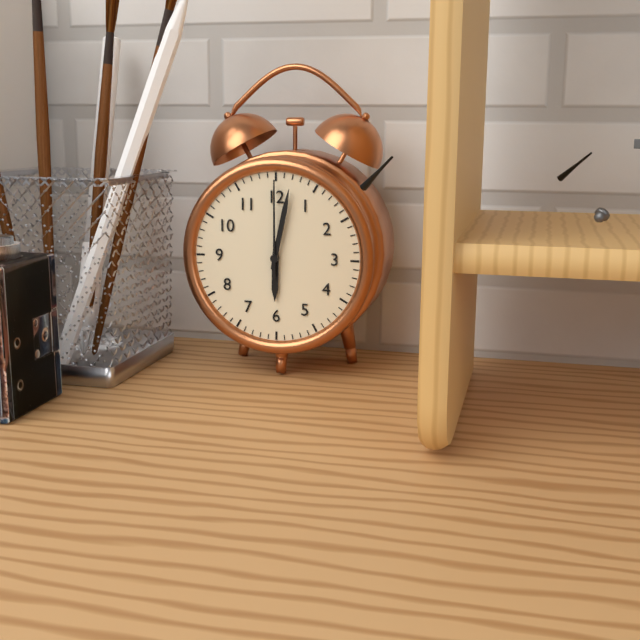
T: 6:02:00
